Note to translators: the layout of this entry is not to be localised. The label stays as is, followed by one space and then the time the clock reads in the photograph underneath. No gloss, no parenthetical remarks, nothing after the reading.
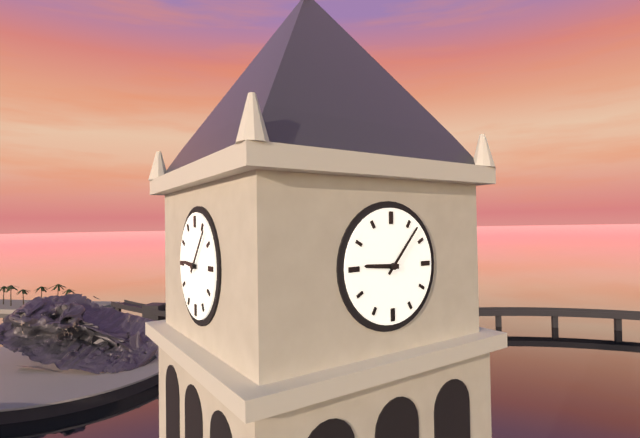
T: 9:07
